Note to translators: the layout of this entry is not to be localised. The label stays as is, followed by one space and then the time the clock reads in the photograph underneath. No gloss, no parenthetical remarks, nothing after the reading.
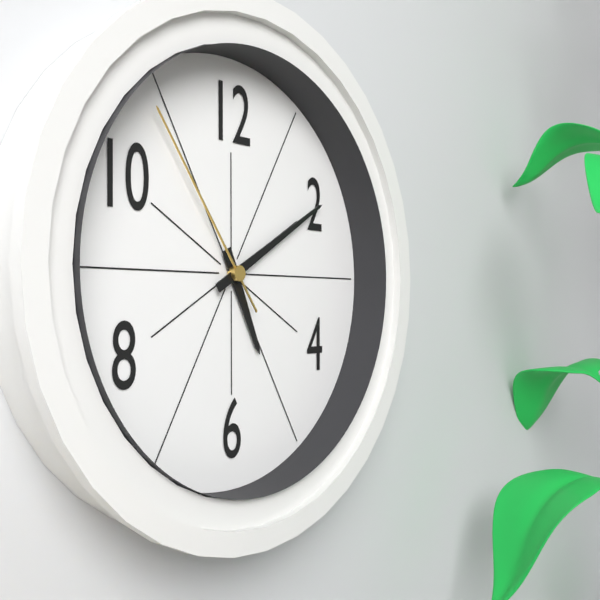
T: 5:10:54
